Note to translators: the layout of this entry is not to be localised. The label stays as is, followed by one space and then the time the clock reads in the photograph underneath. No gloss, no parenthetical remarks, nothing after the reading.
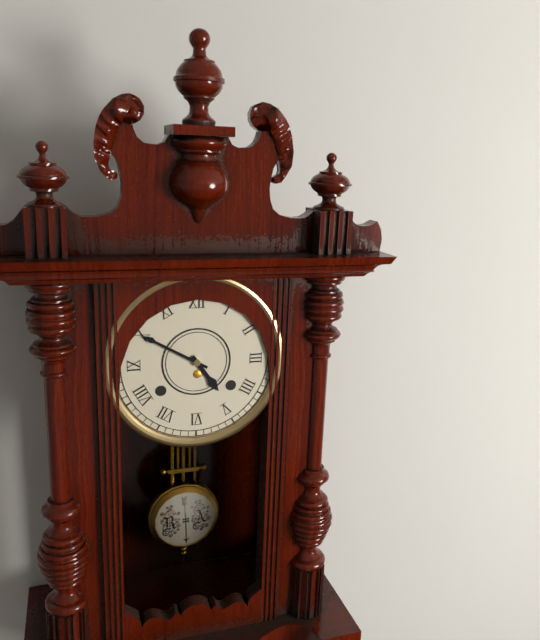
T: 4:50
